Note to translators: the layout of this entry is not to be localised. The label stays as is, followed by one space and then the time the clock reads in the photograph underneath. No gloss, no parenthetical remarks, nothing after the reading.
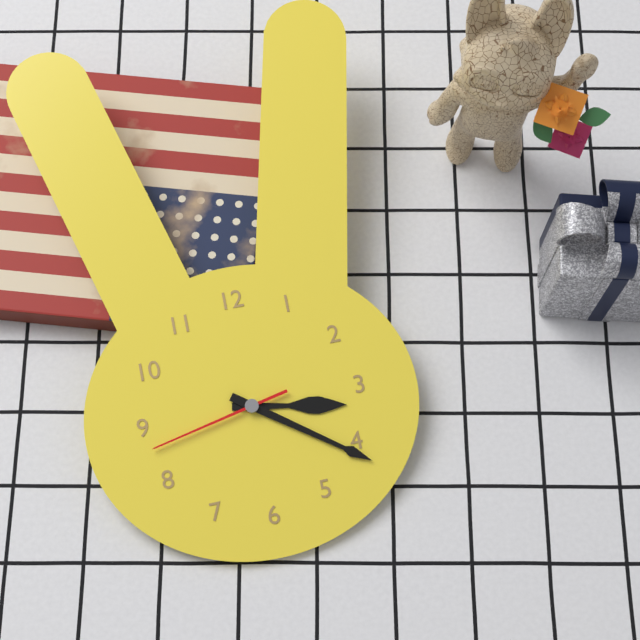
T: 3:21:43
